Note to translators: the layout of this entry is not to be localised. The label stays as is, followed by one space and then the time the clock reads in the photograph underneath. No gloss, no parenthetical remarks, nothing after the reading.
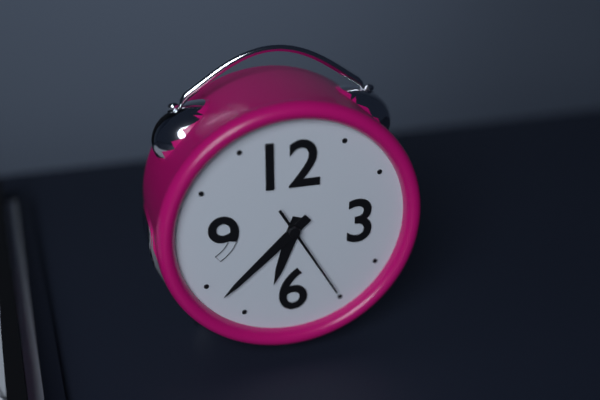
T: 6:38:25
